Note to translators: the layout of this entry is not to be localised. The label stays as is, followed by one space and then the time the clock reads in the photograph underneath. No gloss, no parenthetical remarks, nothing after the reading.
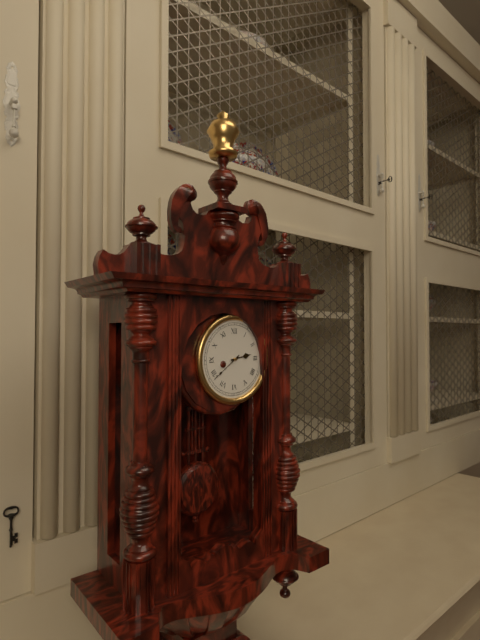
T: 2:39
